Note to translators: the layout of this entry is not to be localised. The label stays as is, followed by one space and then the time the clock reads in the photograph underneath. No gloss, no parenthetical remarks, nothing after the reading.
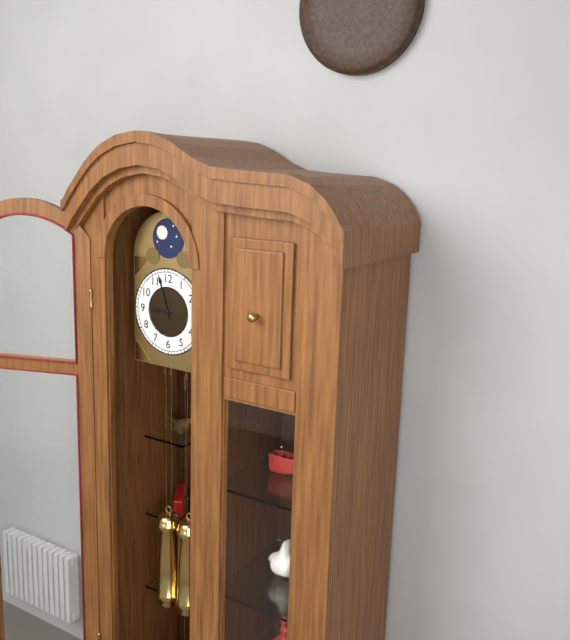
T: 8:57
